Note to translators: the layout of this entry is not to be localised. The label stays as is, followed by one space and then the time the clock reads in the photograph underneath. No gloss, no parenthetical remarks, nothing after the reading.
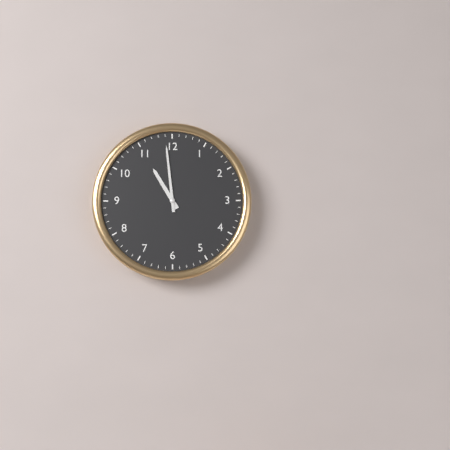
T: 10:59
